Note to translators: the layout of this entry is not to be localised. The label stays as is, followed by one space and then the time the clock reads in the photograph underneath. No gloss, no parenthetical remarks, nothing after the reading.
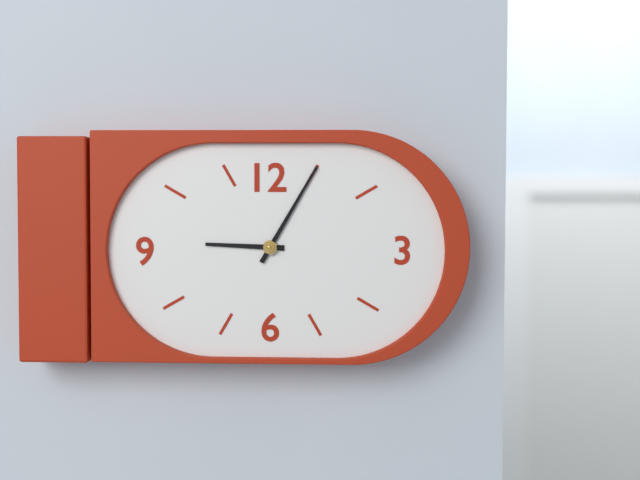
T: 9:05
